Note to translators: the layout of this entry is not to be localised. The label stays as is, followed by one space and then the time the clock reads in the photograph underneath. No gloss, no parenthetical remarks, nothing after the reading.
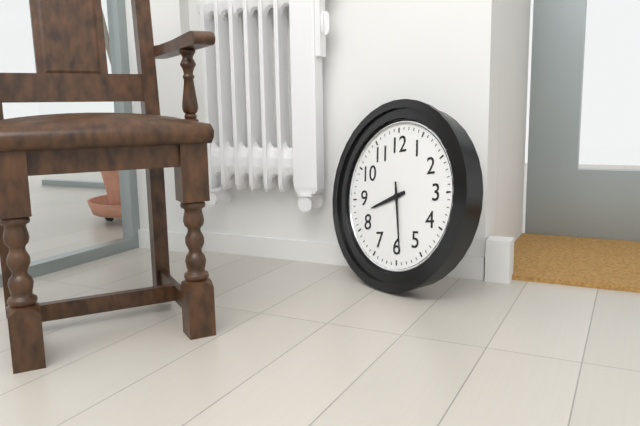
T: 8:29
